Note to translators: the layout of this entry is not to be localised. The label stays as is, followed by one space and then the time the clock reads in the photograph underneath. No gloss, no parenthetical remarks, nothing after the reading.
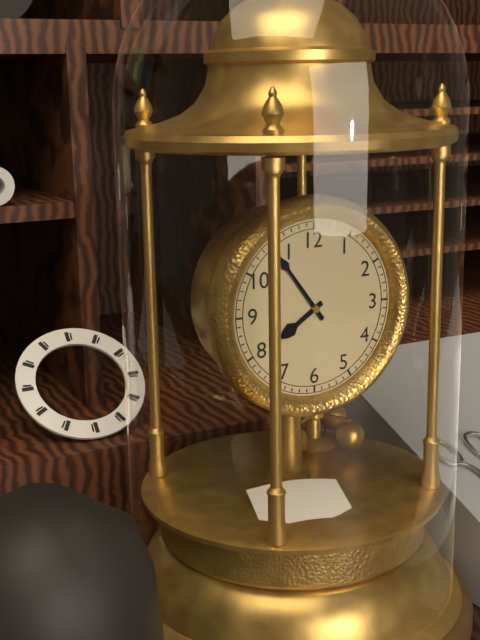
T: 7:54
